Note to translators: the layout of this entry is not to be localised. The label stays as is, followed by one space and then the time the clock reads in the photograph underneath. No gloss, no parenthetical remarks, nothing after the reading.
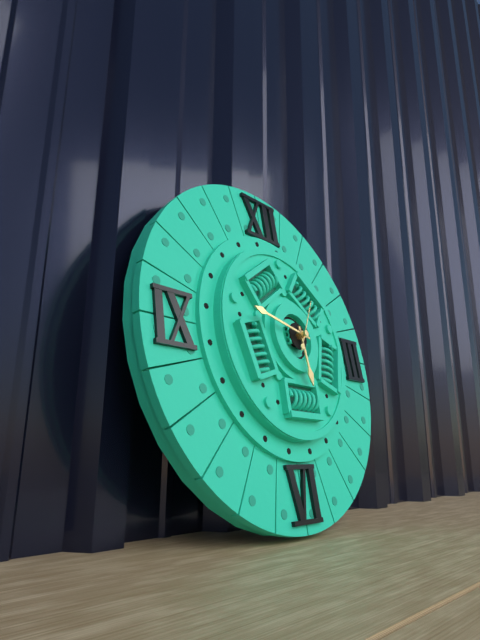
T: 5:47:05
